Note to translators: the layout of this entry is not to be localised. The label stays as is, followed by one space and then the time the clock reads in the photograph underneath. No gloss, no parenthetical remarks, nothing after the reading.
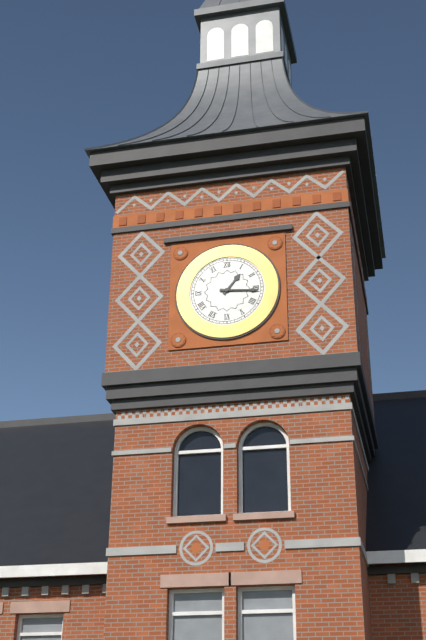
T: 1:16
